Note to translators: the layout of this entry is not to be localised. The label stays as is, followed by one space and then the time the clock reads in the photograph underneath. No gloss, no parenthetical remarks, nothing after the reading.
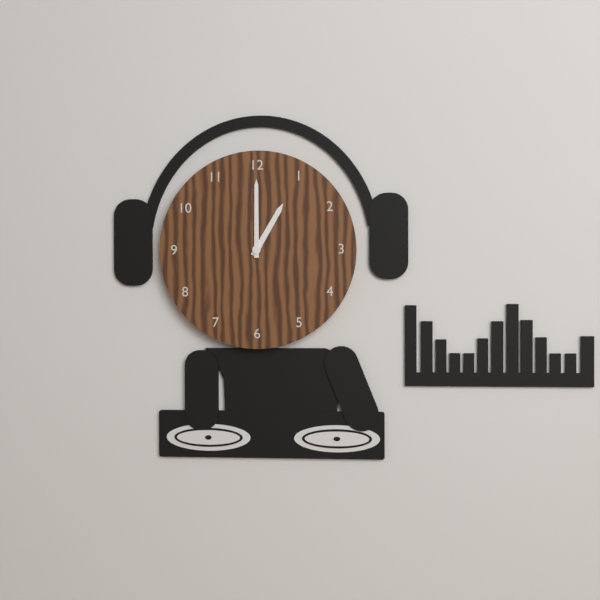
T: 1:00
